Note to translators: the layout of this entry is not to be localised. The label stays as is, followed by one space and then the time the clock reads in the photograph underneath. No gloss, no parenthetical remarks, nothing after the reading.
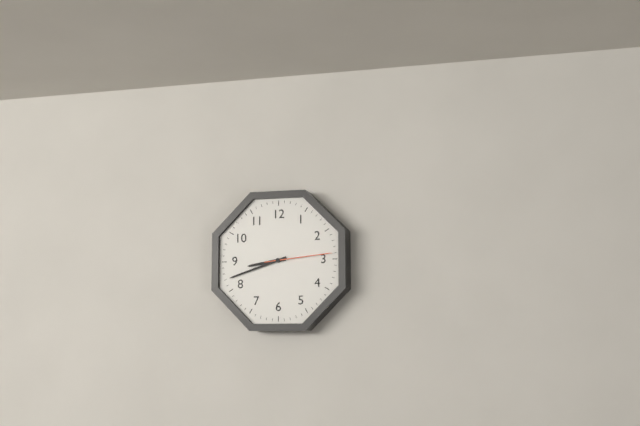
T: 8:42:14
